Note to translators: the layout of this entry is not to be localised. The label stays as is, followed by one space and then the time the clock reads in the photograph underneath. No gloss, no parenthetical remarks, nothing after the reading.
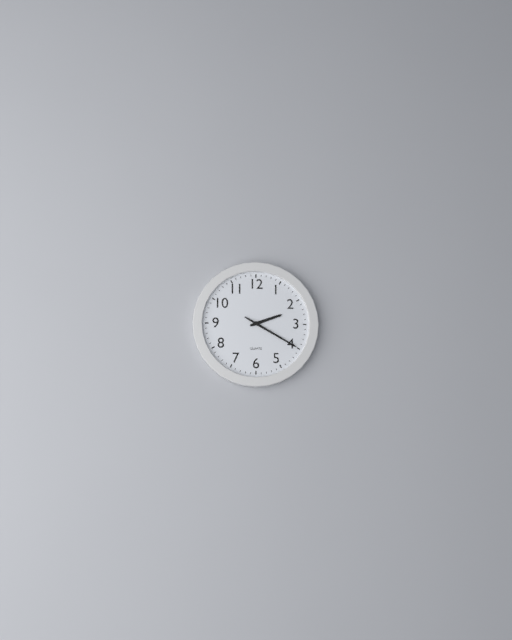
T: 2:20
